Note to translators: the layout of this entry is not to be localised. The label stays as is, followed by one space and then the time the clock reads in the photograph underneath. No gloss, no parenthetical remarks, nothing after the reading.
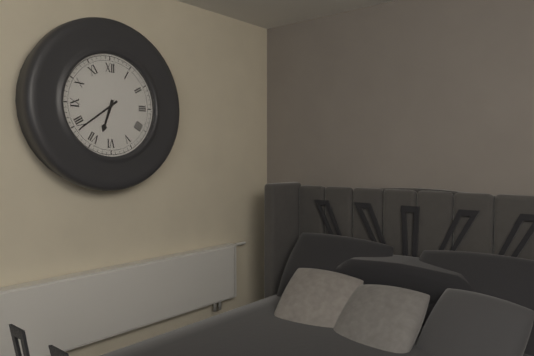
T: 6:39
